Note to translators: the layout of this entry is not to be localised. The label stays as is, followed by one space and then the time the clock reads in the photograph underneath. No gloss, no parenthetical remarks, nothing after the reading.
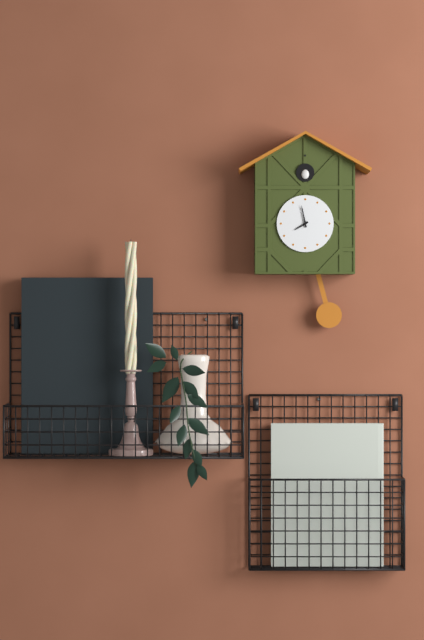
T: 7:58
